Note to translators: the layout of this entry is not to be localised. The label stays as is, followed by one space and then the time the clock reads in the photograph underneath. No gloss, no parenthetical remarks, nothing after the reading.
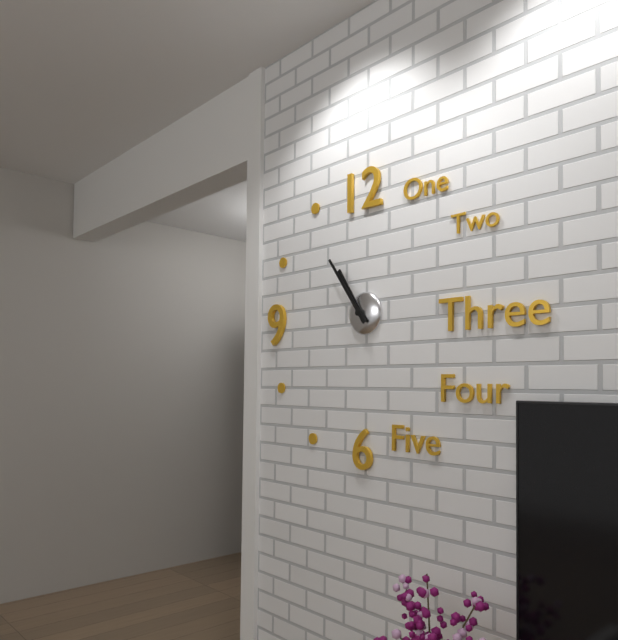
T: 10:54
